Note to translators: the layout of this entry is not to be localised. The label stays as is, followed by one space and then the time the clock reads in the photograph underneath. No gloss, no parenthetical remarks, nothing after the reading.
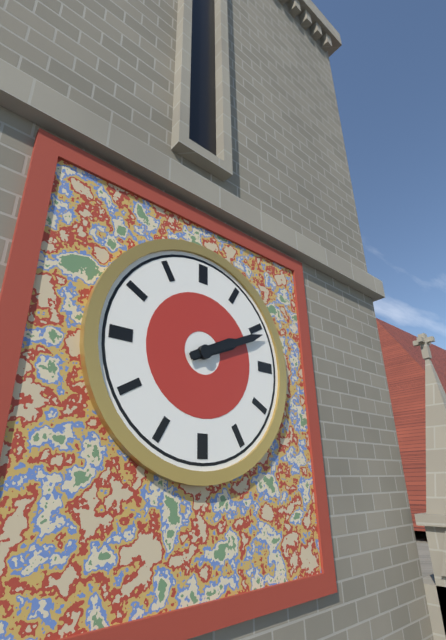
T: 2:11
